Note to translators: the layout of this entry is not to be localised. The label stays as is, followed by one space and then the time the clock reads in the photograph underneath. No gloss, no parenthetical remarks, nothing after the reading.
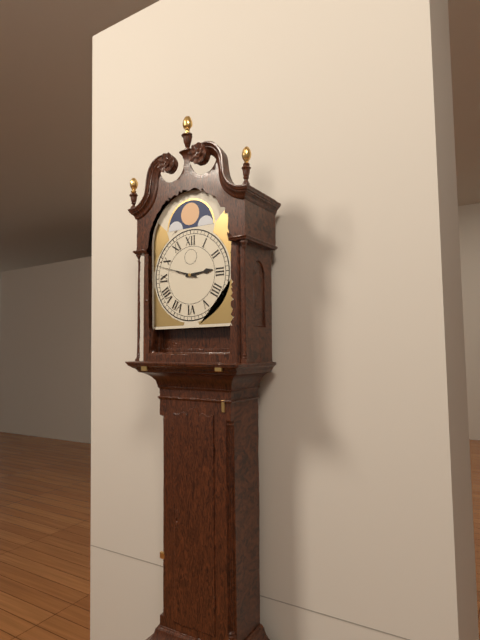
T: 2:48
